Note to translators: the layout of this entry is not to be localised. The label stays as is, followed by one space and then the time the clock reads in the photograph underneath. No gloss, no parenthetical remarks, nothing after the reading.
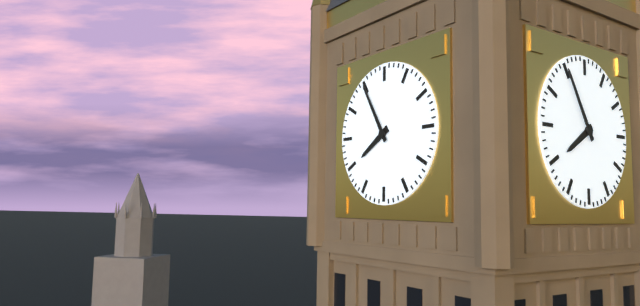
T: 7:55
